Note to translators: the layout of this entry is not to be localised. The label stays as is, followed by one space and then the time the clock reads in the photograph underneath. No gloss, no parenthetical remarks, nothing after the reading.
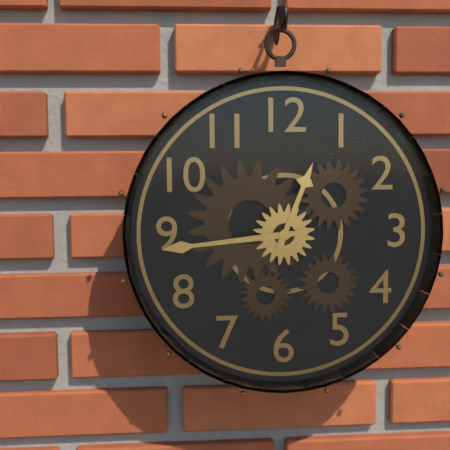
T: 12:44
